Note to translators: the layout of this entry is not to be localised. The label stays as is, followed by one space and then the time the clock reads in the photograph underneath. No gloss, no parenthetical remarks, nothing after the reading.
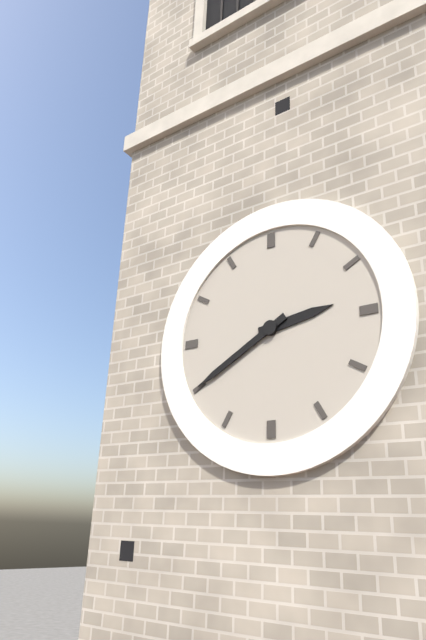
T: 2:40
